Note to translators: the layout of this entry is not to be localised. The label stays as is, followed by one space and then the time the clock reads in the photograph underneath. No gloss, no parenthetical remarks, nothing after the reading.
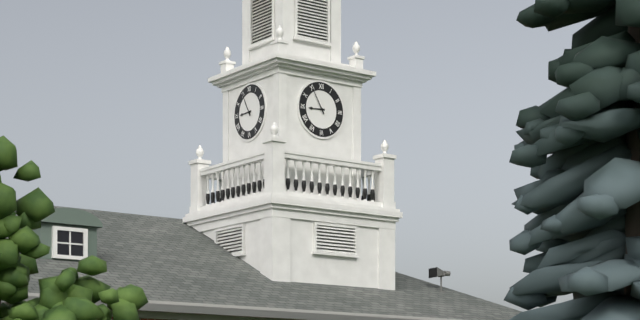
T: 8:55
